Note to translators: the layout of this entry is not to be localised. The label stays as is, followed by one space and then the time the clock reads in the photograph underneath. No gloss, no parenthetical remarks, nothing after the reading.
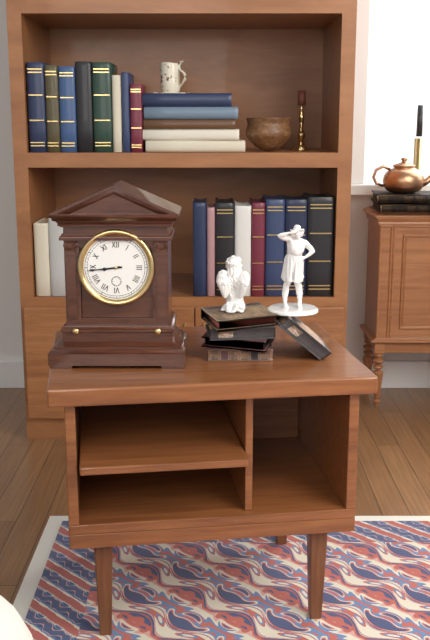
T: 8:44
